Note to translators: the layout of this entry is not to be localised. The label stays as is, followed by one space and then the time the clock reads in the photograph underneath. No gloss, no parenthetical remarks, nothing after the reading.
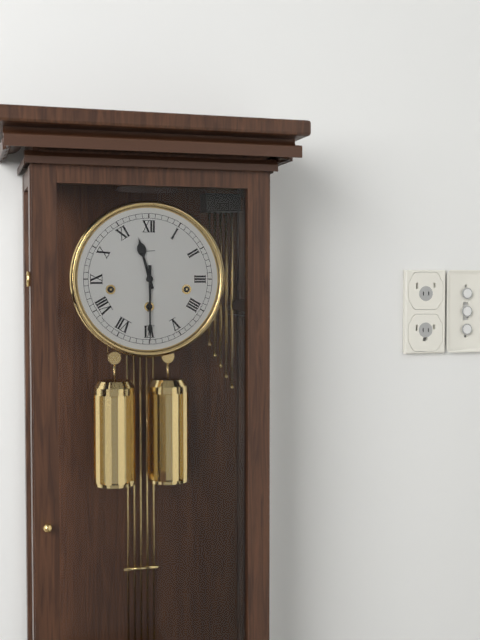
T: 11:30
